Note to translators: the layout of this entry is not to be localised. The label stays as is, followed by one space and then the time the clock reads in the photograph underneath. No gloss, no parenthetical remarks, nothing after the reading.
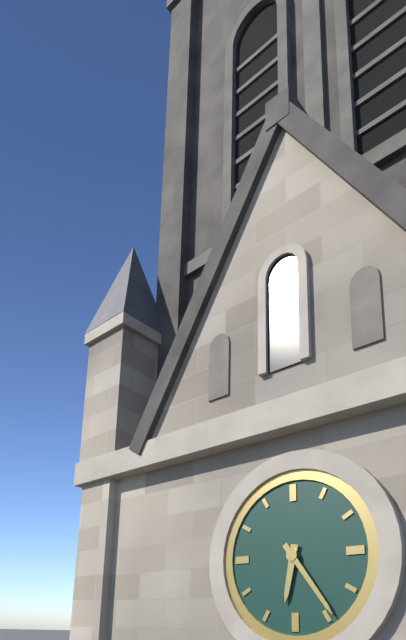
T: 6:24
